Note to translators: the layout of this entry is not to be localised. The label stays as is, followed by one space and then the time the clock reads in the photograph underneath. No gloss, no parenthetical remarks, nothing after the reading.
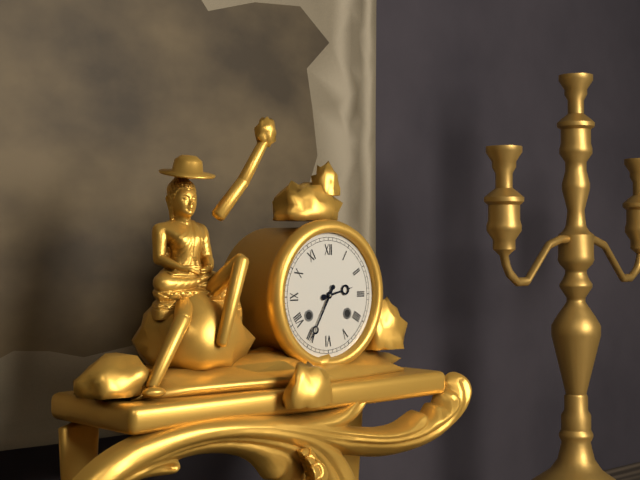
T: 2:35
